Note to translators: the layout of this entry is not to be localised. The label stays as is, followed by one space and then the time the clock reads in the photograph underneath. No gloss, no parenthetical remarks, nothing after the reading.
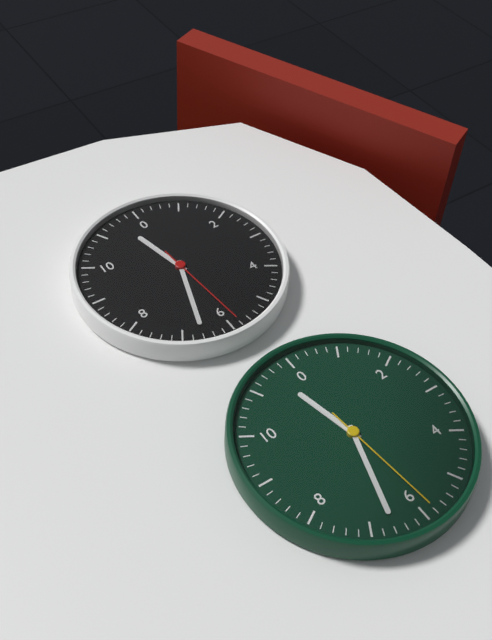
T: 11:33:29
